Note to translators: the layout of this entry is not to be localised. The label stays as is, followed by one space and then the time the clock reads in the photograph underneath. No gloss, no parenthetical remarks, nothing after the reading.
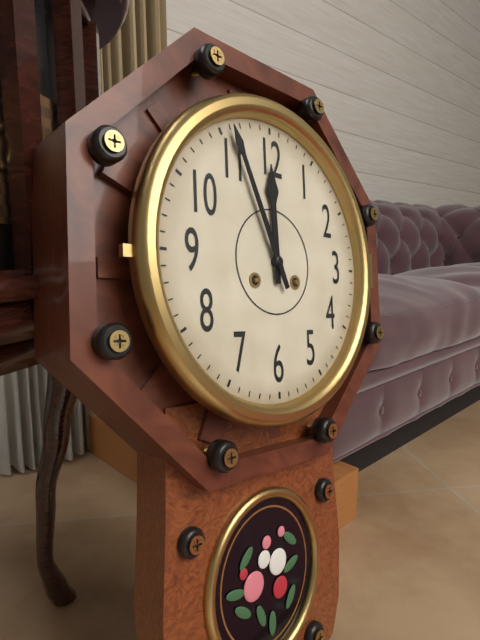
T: 11:56
